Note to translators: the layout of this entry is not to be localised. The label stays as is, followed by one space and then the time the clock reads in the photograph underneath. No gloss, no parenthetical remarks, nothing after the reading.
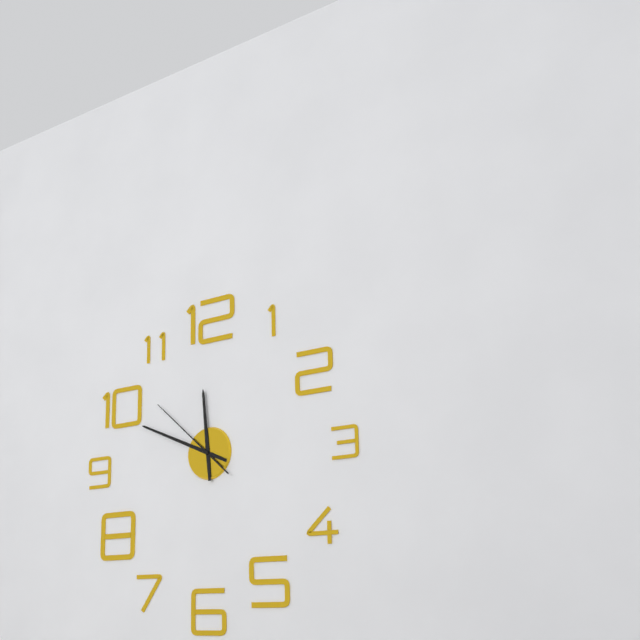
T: 11:49:52
